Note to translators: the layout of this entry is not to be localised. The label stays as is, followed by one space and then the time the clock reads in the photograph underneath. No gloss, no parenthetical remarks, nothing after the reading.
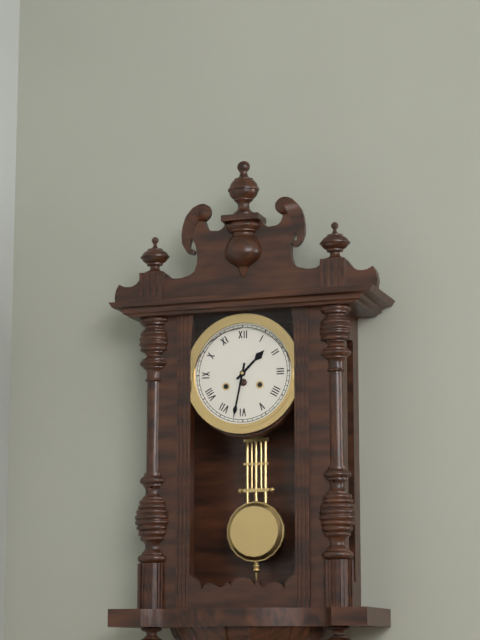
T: 1:32
